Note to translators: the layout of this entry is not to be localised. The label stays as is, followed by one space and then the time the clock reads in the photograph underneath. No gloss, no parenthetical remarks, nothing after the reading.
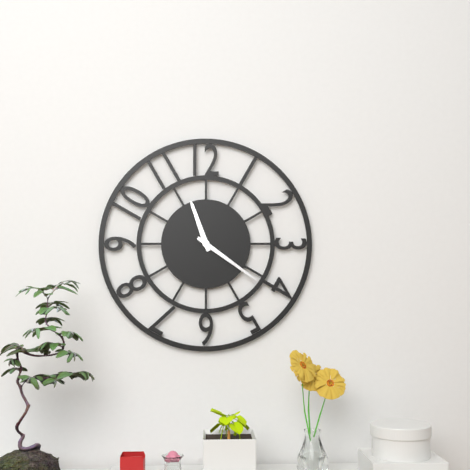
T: 11:21
